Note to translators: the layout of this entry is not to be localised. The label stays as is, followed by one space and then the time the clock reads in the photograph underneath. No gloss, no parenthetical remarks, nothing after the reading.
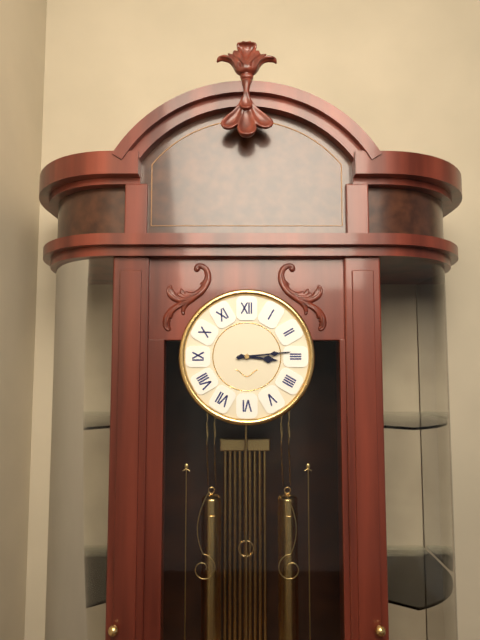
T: 3:14
